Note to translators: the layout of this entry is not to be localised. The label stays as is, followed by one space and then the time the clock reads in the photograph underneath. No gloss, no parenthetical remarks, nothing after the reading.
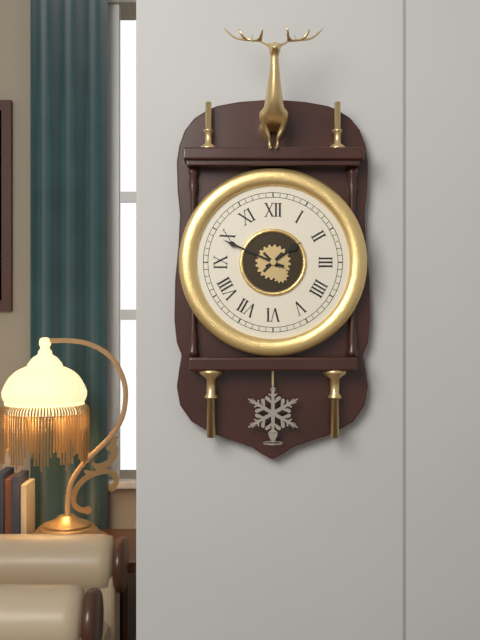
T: 1:49
